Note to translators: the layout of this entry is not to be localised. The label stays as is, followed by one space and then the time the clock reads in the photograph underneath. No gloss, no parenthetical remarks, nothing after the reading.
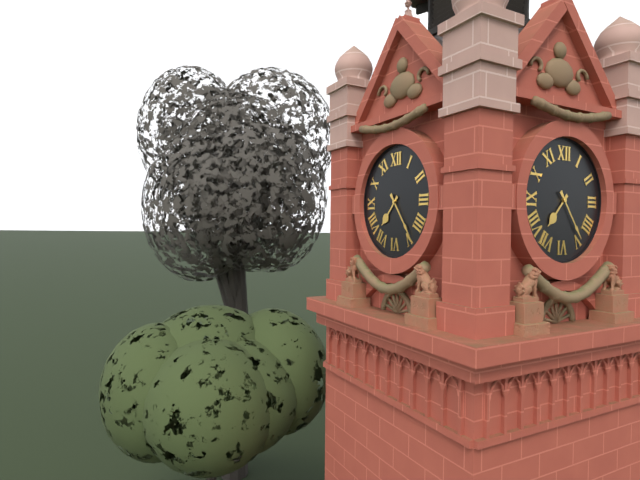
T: 7:24
